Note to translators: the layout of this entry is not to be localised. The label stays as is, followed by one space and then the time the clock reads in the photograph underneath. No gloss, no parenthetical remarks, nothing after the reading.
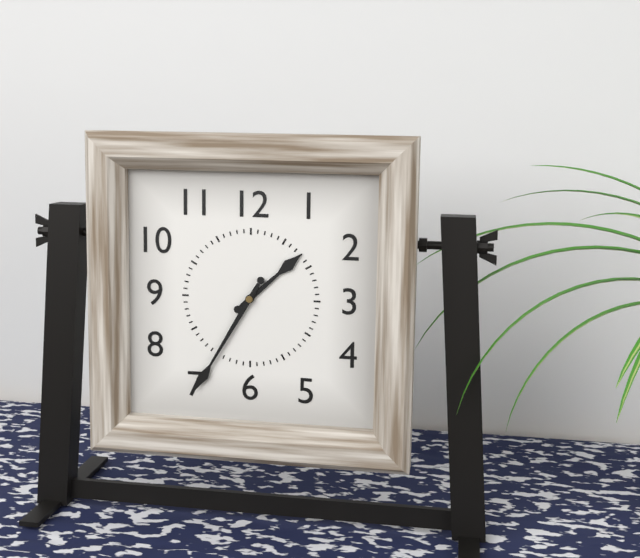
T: 1:35
